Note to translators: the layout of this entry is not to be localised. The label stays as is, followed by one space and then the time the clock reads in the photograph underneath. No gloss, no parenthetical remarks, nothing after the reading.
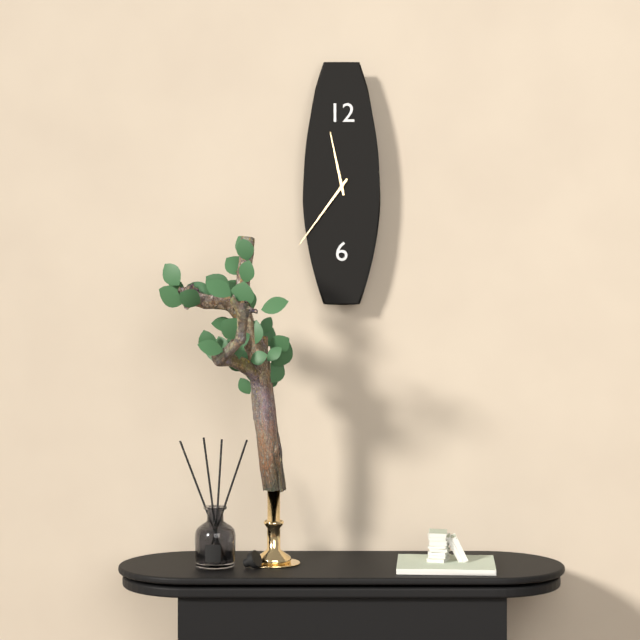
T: 11:36
